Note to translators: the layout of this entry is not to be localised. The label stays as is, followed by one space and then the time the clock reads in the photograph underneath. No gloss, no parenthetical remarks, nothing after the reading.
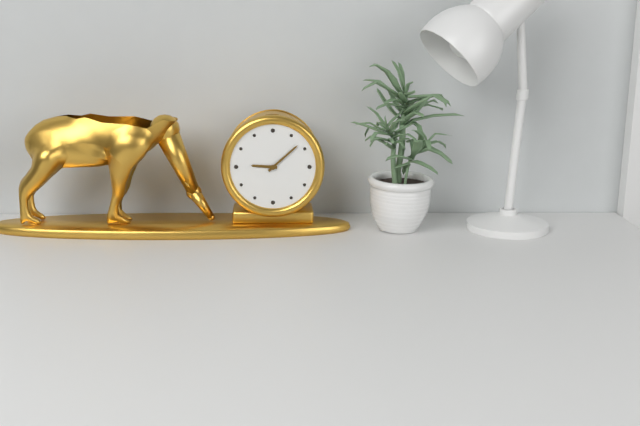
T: 9:08
